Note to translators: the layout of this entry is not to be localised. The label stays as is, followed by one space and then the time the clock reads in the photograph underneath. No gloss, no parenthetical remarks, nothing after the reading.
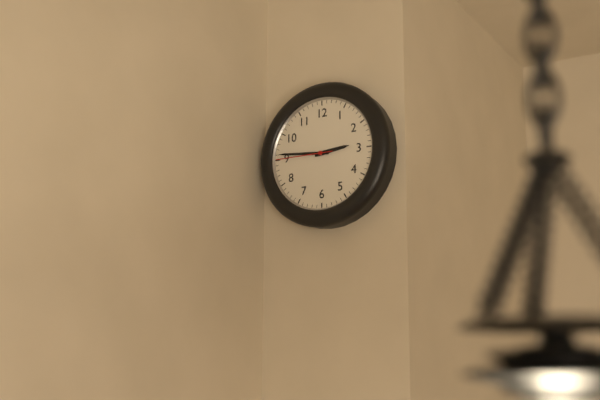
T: 2:46:45
